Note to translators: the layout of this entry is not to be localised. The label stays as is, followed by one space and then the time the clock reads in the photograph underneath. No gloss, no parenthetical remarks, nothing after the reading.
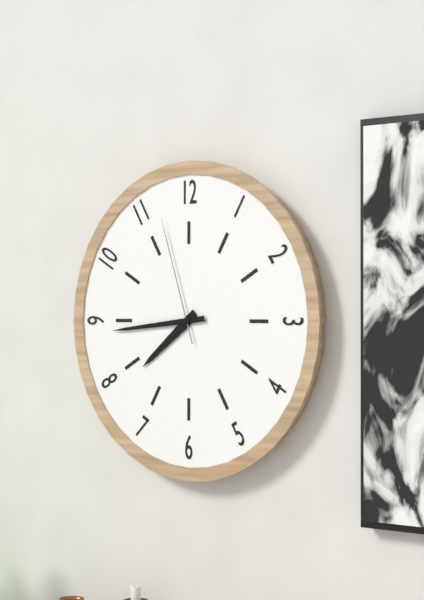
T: 7:44:57
